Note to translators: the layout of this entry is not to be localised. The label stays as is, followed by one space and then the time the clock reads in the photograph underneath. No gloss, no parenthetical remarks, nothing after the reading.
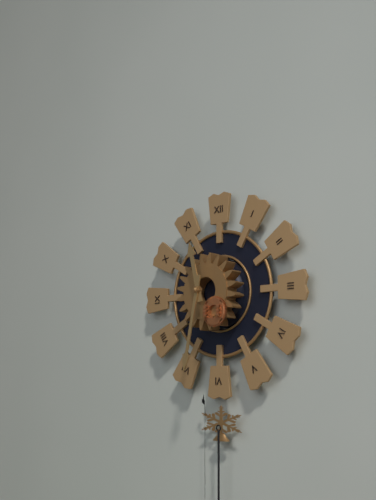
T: 11:32
